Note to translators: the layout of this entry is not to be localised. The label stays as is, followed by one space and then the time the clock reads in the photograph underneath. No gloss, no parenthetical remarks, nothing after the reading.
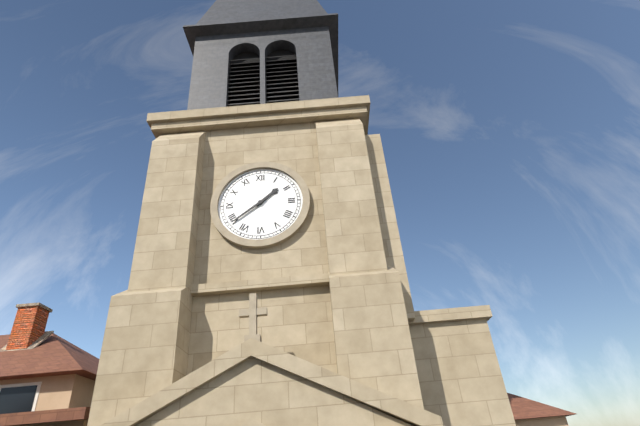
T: 1:39
